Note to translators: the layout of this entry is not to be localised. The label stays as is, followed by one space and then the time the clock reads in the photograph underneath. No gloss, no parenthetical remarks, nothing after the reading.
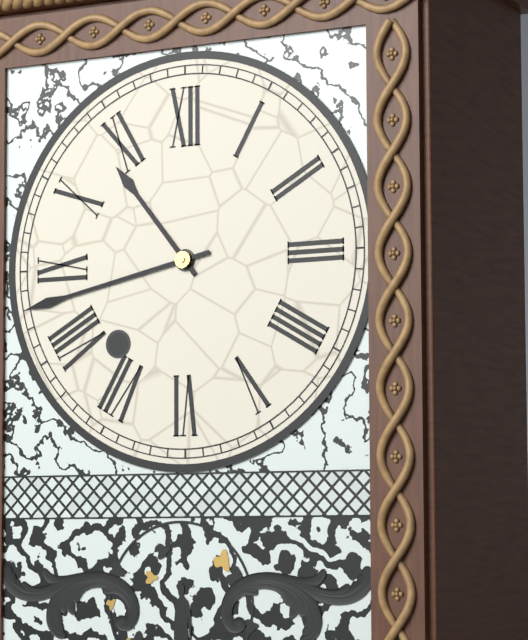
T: 10:43
